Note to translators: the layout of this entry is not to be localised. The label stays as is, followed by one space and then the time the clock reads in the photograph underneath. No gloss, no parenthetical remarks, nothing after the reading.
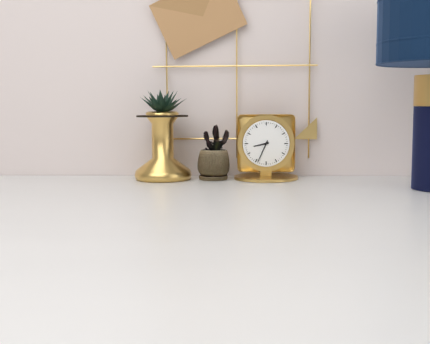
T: 8:34
